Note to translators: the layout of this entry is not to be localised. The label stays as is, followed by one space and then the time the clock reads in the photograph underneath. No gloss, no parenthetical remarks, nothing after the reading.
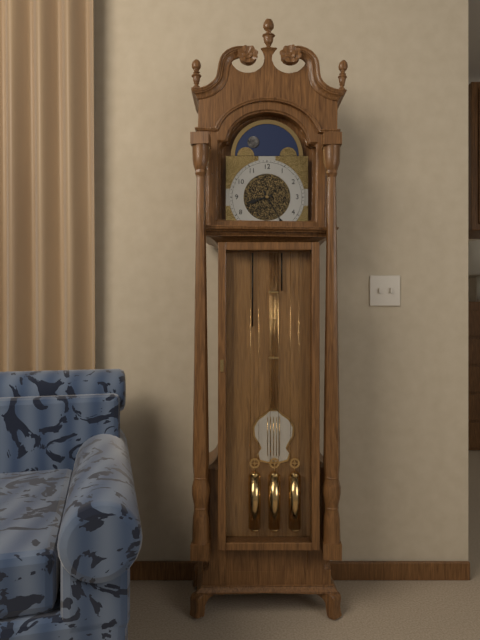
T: 8:25
